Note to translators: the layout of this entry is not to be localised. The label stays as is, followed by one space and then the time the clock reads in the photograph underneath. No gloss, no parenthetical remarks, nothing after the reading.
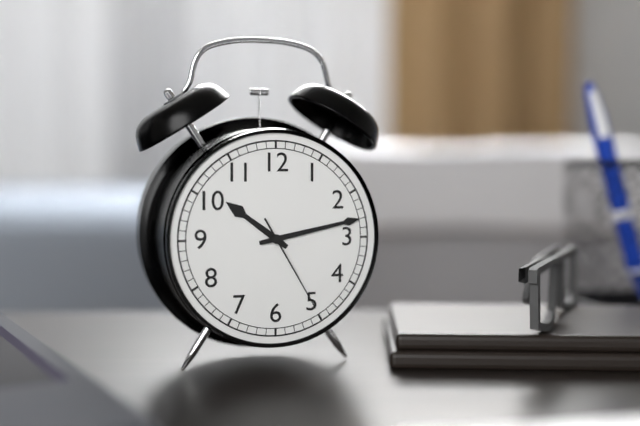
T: 10:13:25
